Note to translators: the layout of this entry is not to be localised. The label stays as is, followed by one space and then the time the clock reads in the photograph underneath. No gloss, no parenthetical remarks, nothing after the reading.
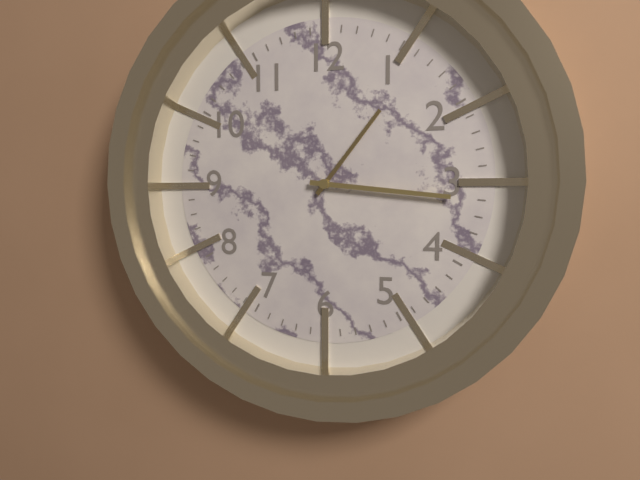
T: 1:16
